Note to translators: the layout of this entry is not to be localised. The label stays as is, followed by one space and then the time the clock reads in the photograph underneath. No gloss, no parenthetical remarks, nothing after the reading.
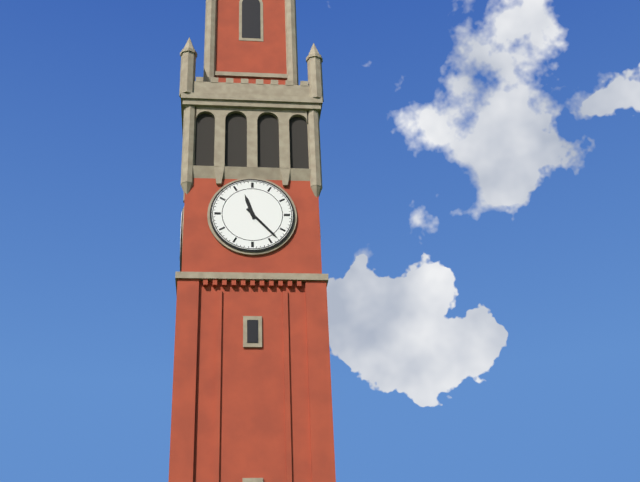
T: 11:23
